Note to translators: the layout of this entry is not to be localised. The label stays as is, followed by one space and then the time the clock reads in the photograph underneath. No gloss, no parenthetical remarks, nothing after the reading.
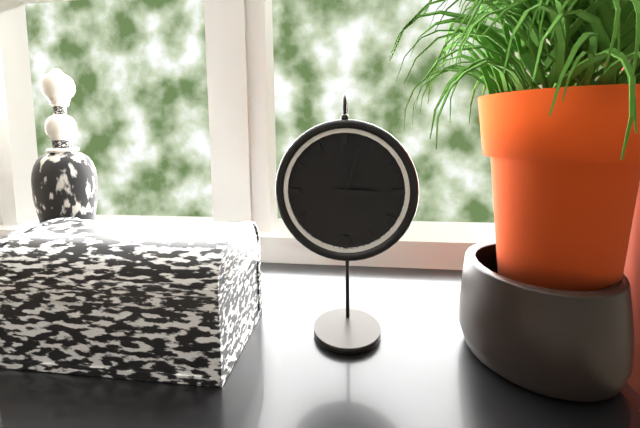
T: 3:03
